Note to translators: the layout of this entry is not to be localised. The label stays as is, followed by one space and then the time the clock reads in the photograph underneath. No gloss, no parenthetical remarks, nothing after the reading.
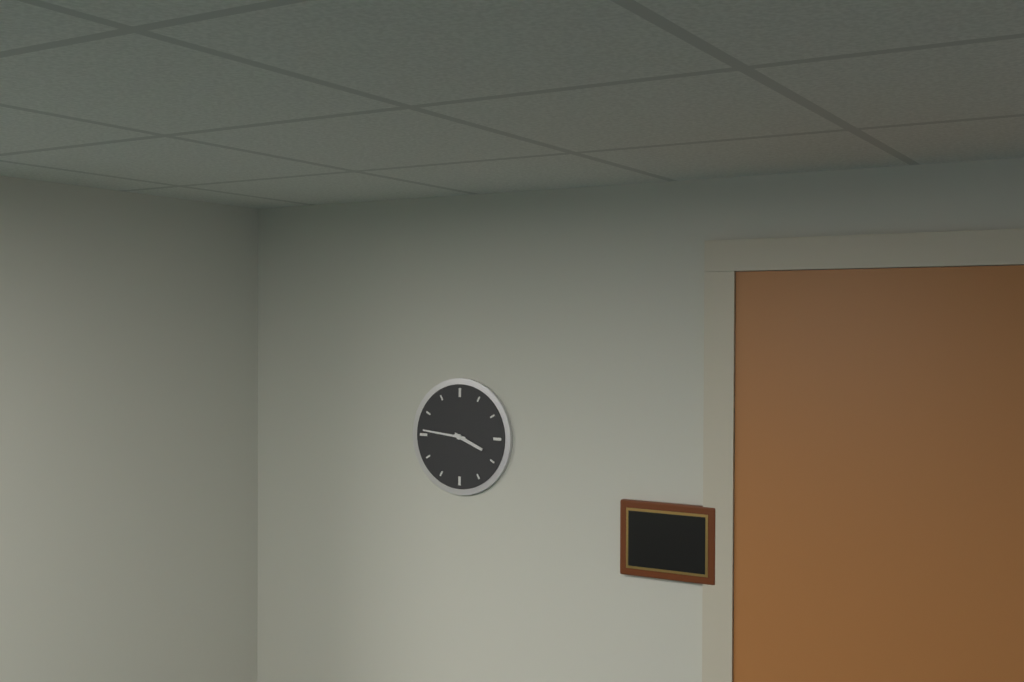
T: 3:46
